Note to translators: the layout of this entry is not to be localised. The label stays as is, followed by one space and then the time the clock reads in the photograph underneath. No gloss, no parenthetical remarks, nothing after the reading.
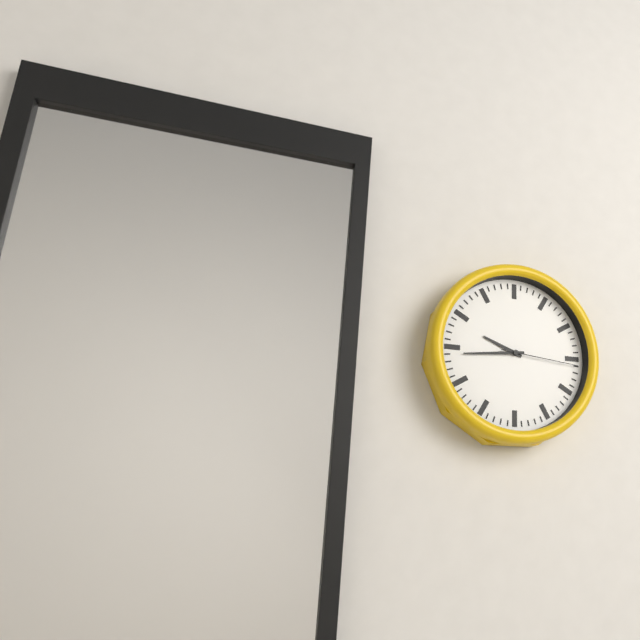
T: 9:44:16
